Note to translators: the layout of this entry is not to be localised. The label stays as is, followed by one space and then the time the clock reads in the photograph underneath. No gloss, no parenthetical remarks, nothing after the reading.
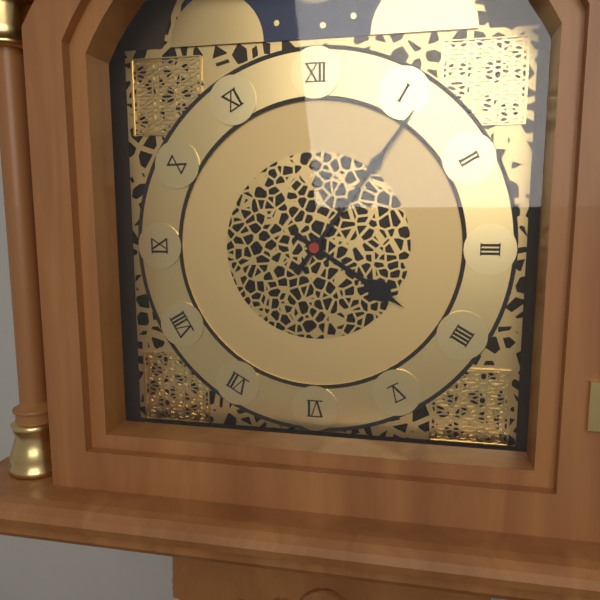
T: 4:06
